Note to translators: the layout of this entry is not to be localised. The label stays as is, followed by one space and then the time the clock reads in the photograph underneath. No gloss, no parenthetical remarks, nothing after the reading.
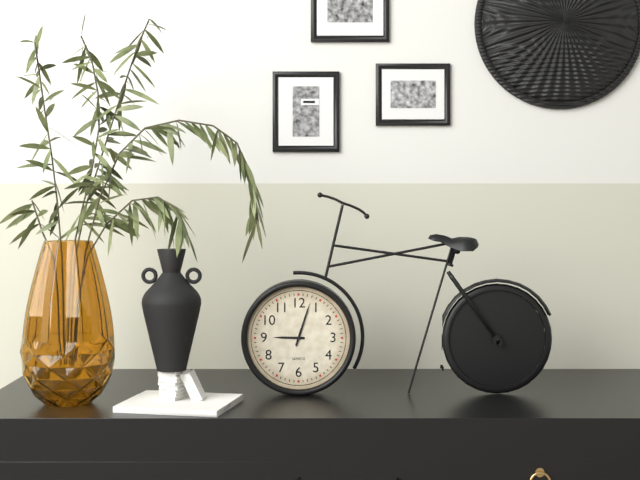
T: 9:03
